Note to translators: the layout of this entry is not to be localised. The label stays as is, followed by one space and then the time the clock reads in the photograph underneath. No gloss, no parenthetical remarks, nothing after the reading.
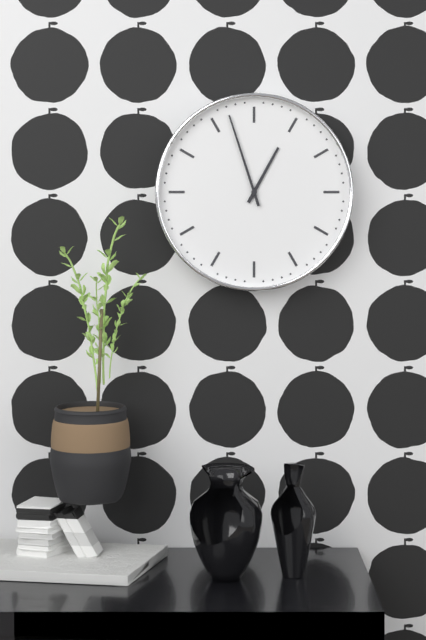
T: 12:57
